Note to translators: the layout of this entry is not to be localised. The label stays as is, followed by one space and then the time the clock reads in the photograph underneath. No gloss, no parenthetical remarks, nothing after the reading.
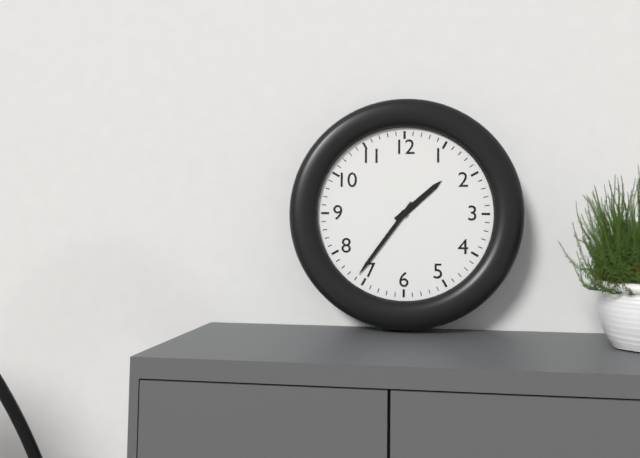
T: 1:36
